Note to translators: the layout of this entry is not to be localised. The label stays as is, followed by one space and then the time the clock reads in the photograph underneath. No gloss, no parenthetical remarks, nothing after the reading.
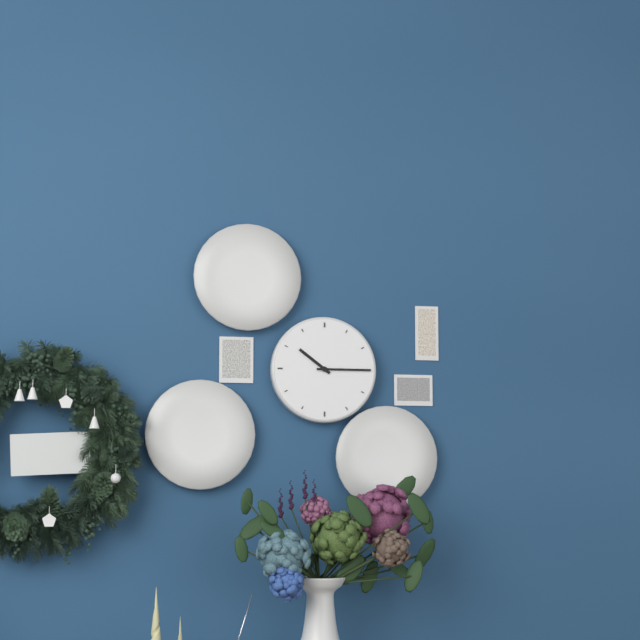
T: 10:15
